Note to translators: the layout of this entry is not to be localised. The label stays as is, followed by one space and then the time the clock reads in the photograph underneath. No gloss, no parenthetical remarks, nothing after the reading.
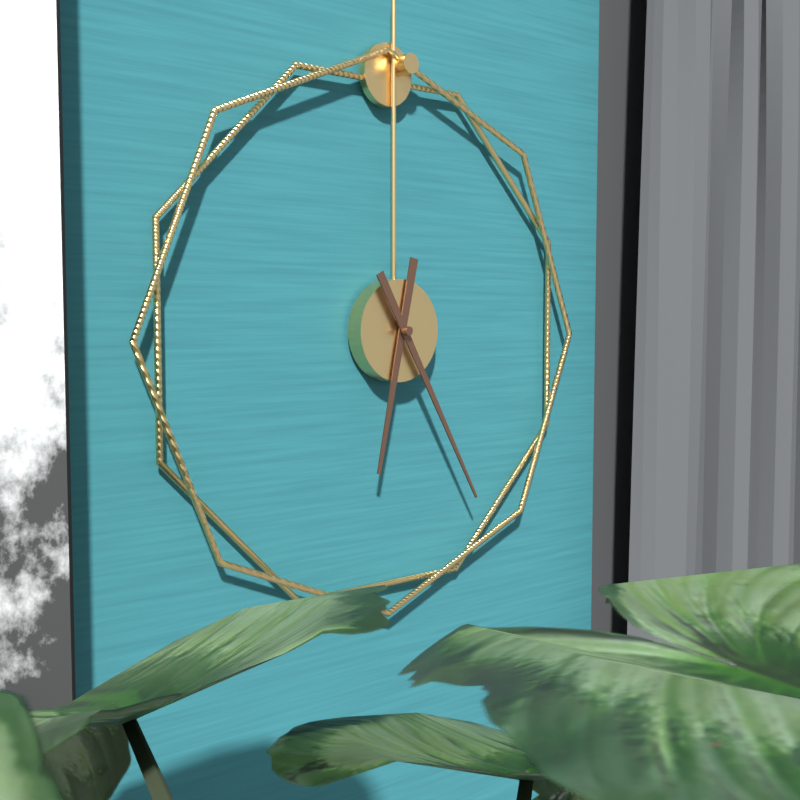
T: 6:25
